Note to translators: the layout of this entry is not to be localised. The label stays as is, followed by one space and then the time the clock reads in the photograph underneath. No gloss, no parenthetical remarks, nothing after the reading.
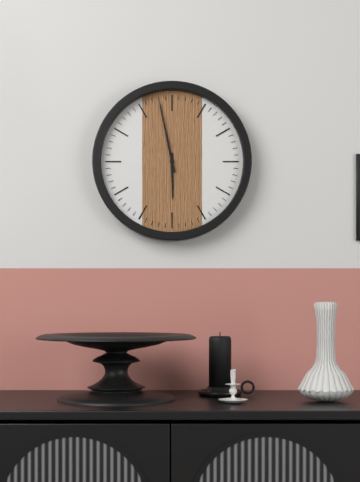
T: 5:58
